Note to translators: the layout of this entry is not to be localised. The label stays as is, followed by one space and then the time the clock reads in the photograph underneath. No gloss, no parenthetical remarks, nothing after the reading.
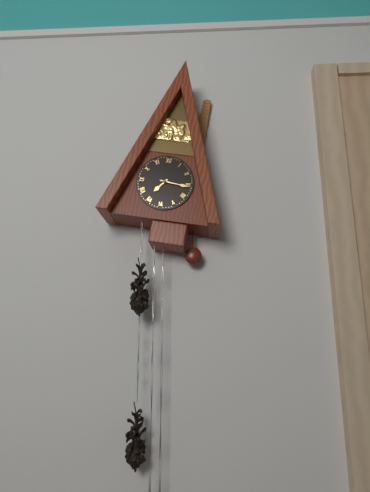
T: 7:16
